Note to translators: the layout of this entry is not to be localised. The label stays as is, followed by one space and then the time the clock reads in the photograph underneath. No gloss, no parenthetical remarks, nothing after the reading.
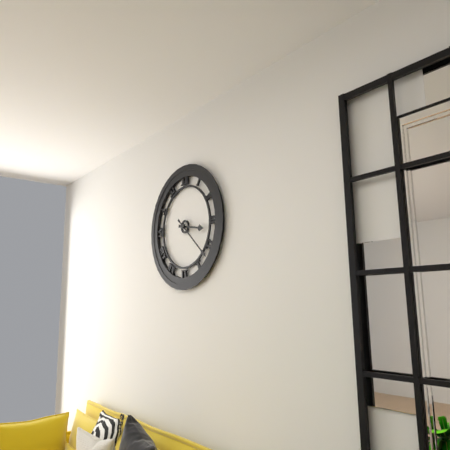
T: 3:22
